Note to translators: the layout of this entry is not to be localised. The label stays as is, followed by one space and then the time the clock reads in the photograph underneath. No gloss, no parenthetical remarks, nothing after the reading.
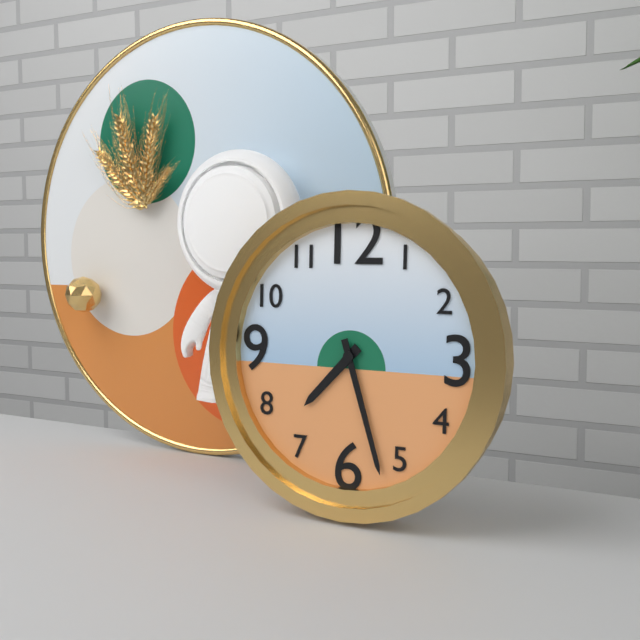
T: 7:27
